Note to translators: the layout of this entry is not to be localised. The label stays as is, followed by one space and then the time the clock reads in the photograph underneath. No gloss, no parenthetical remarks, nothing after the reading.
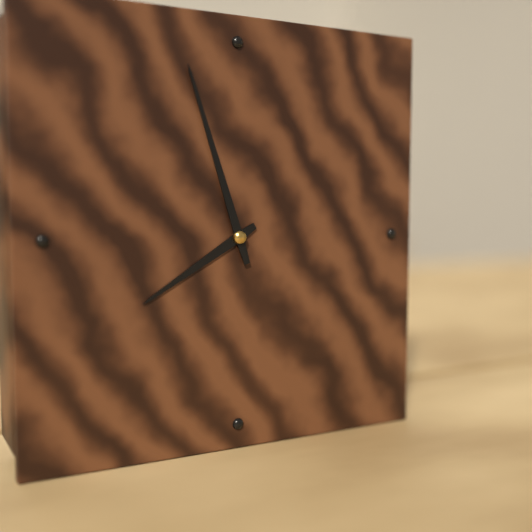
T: 7:57
